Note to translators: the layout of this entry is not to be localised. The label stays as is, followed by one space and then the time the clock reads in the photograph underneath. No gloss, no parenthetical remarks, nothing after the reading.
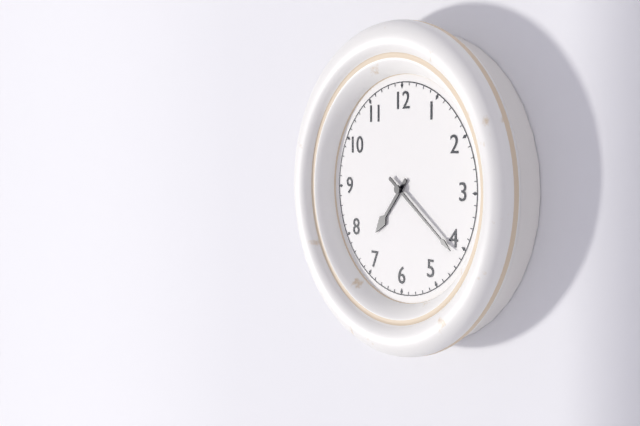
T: 7:21
